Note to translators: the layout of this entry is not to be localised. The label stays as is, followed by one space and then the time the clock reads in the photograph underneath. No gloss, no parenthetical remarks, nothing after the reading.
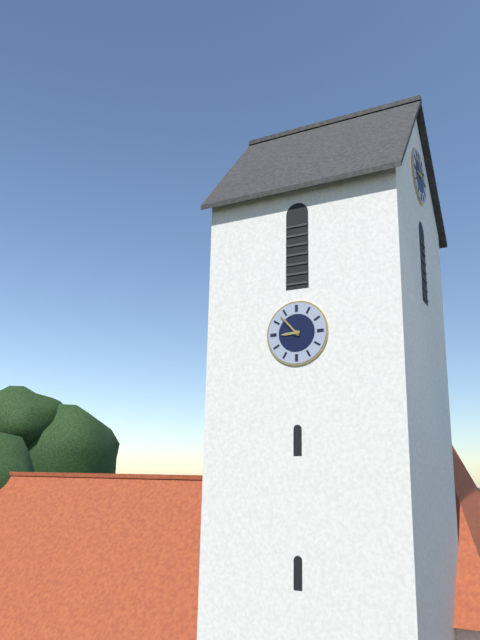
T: 8:53
